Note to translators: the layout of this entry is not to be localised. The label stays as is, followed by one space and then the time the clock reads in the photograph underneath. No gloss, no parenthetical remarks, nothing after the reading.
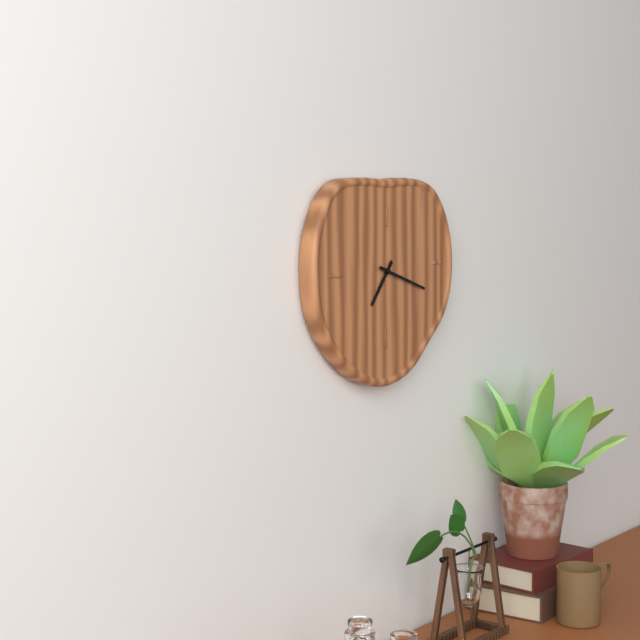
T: 7:18
